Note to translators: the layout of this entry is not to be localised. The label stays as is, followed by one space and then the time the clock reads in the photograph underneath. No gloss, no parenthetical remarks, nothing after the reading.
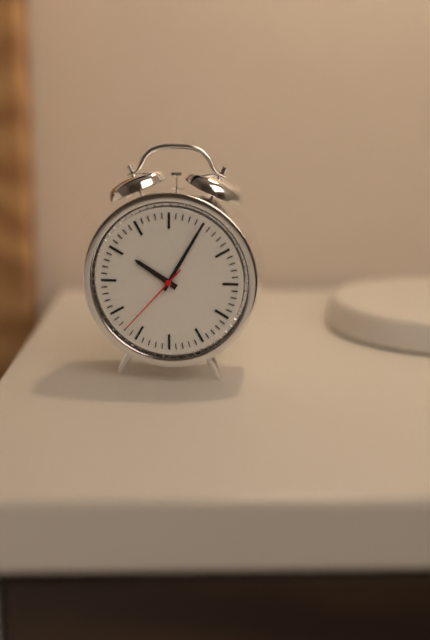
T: 10:05:37
